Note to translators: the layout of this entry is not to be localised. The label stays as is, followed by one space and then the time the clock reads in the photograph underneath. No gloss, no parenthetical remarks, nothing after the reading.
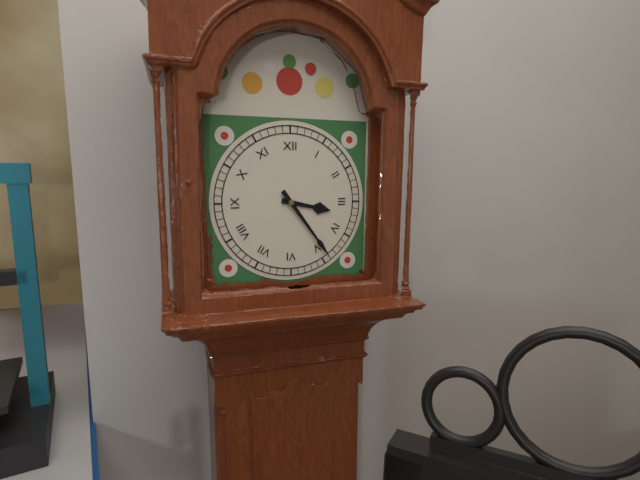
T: 3:24
